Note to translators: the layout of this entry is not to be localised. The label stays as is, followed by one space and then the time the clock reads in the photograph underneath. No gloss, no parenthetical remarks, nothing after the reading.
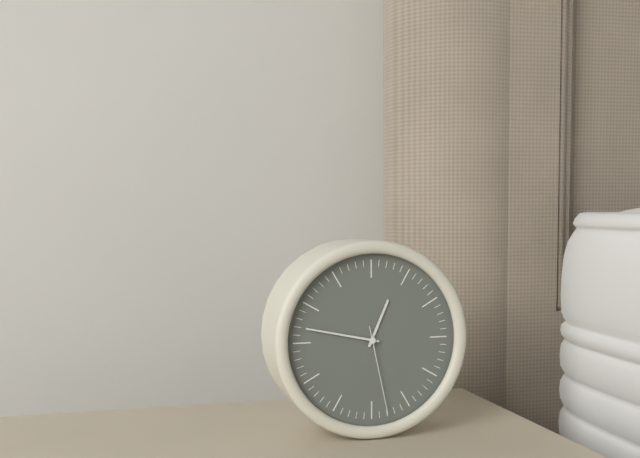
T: 12:47:28
